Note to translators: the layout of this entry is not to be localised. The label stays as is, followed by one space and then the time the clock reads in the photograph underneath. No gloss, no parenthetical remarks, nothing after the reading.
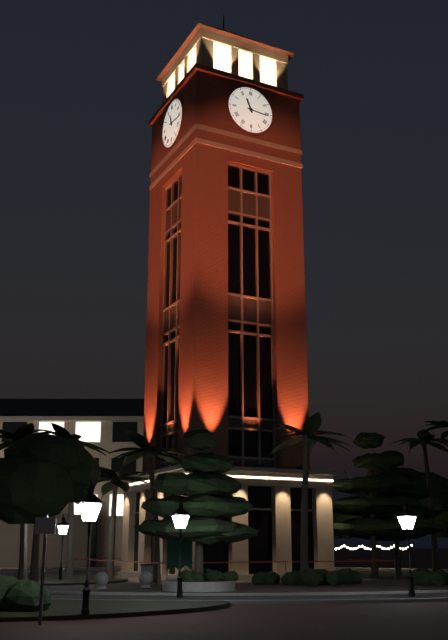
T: 11:16
